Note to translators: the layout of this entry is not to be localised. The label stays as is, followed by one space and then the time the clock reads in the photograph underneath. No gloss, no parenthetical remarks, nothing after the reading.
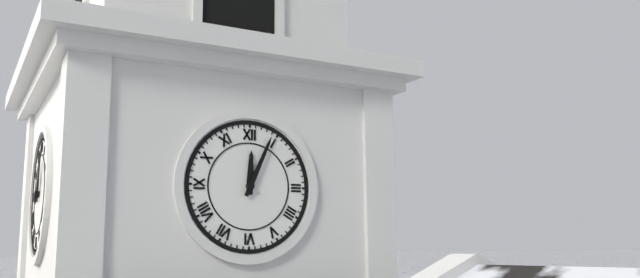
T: 12:04
